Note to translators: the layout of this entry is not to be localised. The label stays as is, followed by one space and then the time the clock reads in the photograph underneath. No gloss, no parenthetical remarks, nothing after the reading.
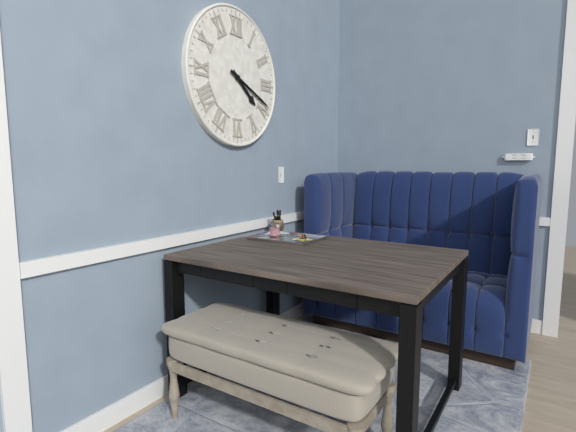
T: 4:19
